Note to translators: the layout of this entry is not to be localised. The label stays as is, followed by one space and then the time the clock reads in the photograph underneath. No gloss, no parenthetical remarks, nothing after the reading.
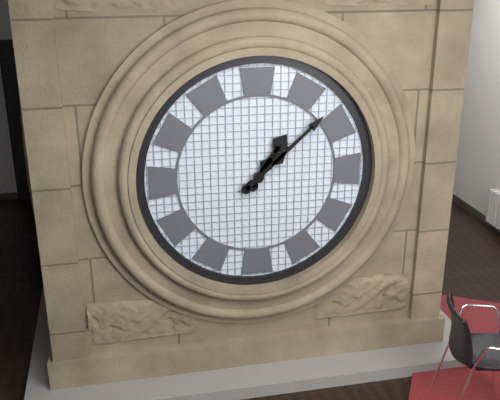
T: 1:08
